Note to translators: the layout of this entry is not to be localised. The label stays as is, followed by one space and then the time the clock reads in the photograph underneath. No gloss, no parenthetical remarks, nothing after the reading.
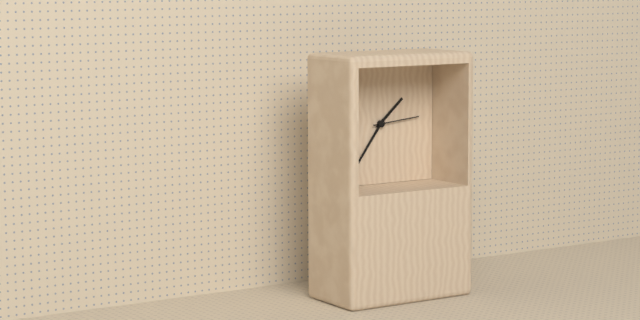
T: 1:36
